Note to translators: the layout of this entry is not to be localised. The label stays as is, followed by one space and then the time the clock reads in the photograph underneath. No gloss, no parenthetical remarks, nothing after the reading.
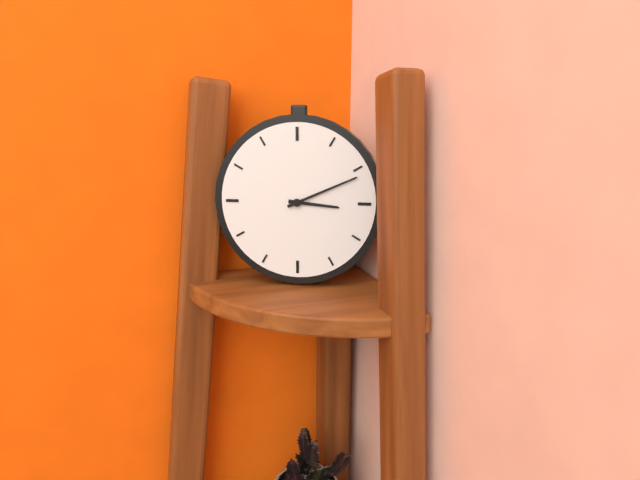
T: 3:11
